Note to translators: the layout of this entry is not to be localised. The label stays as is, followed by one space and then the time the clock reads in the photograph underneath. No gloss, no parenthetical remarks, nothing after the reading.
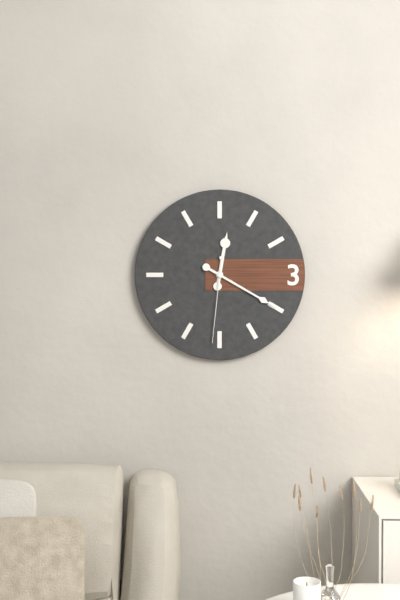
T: 12:20:31
